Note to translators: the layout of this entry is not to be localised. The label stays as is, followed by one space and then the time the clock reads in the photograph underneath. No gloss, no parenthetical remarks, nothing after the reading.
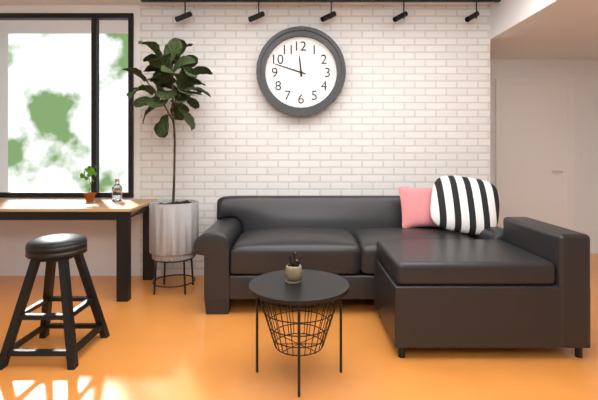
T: 11:48
